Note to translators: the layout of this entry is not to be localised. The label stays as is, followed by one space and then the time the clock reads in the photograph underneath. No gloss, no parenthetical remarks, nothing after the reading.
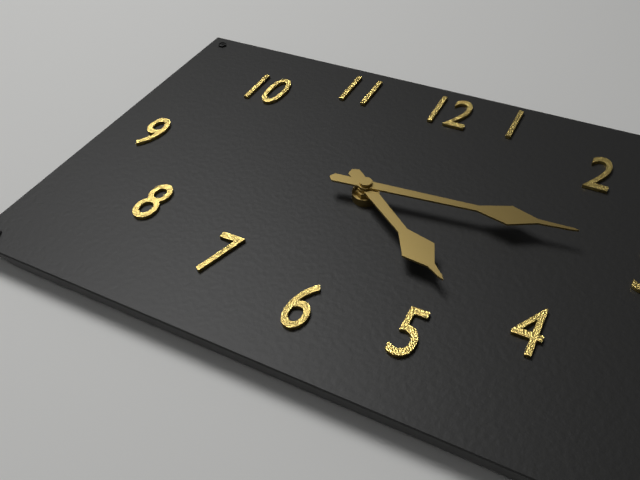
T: 4:14
